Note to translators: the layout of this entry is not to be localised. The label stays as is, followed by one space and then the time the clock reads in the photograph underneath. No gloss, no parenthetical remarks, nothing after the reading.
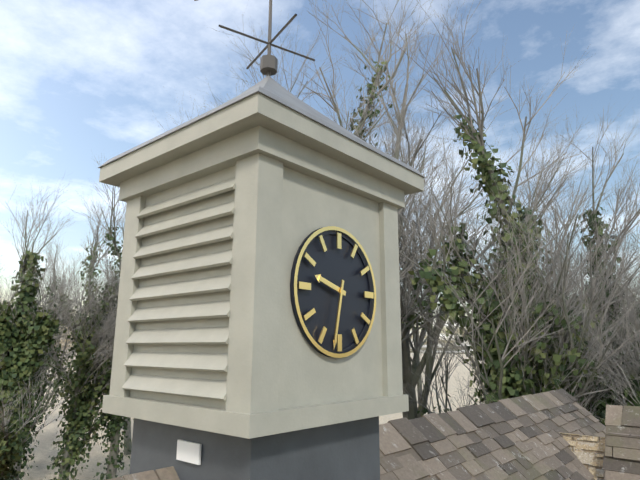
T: 9:32
